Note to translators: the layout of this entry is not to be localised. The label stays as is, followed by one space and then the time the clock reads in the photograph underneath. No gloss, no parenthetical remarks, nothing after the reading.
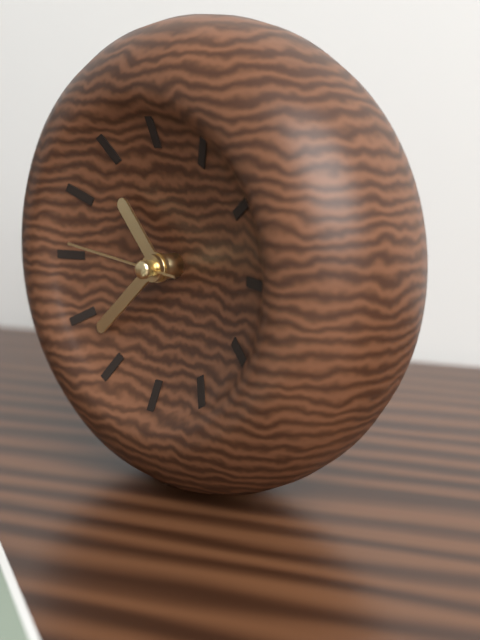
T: 10:38:46
